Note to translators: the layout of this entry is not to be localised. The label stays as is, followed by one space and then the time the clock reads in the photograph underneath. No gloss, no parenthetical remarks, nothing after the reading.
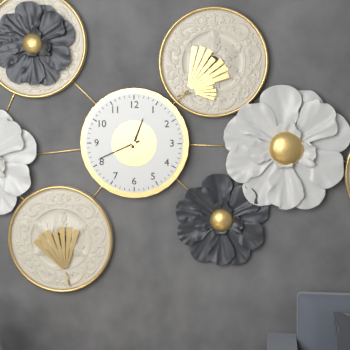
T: 12:41
